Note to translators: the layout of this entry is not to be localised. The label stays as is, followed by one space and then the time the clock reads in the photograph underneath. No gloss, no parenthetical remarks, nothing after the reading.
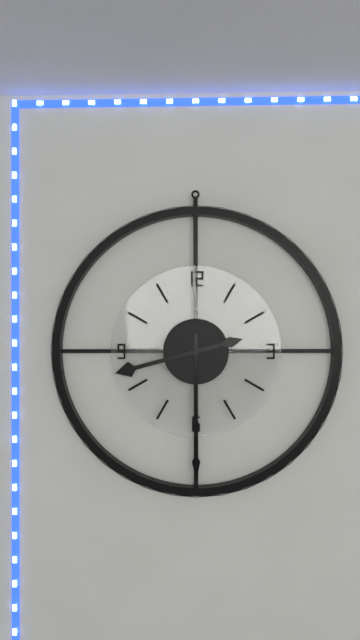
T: 8:30
